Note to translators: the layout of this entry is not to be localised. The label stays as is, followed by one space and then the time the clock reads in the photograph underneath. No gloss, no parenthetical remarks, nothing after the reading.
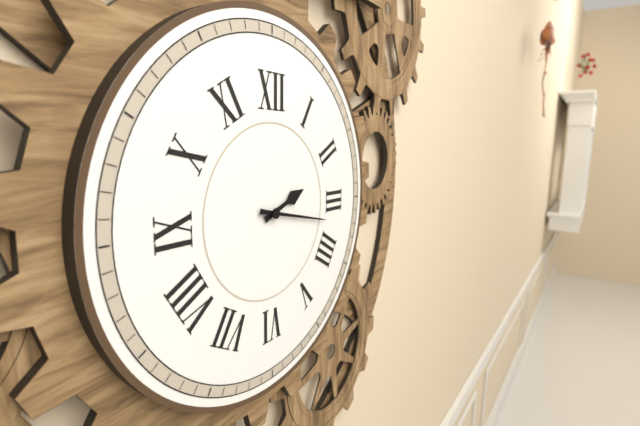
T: 2:17
